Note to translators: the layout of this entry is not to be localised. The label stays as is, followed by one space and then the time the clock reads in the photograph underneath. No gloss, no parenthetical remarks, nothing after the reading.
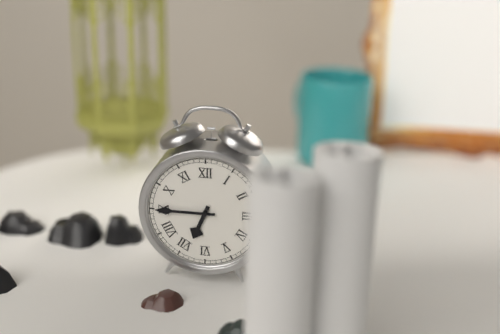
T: 6:45
